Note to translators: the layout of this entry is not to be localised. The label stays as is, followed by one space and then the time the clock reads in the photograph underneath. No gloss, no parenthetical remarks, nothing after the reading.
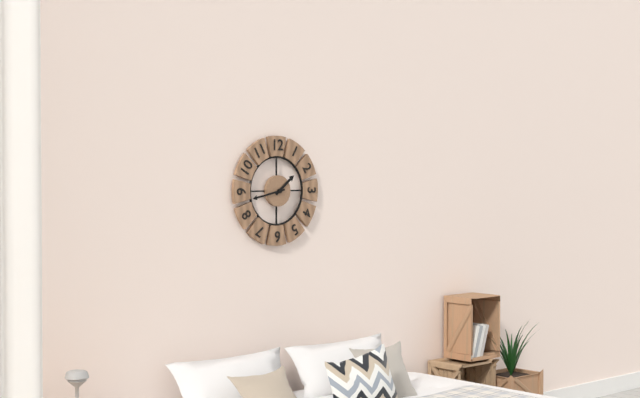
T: 1:43
